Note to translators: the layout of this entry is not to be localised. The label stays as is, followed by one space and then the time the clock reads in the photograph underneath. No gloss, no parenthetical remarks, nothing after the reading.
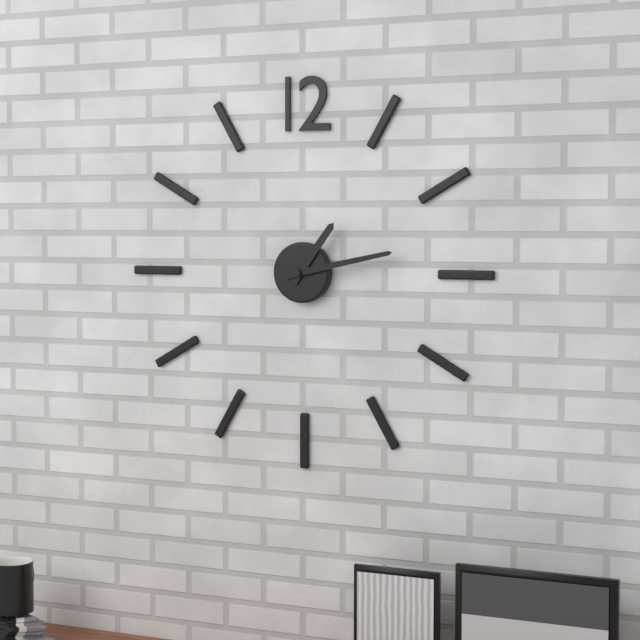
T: 1:13
